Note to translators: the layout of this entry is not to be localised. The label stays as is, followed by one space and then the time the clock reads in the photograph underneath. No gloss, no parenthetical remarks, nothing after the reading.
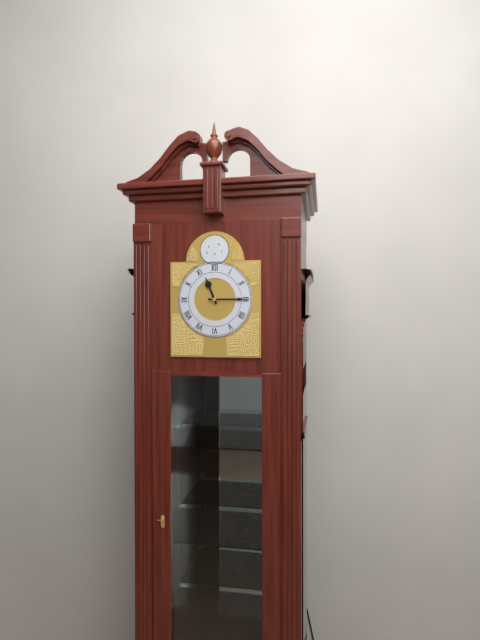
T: 11:15
